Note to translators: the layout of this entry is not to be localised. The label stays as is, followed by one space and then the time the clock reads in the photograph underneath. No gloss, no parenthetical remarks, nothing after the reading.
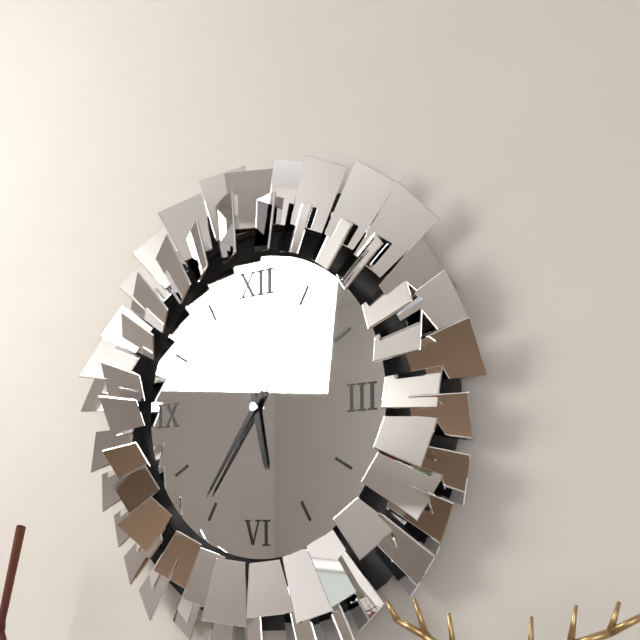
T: 5:36
